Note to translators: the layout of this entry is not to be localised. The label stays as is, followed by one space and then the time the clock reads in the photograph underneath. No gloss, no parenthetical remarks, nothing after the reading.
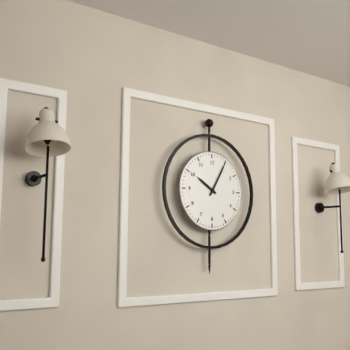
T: 10:05
